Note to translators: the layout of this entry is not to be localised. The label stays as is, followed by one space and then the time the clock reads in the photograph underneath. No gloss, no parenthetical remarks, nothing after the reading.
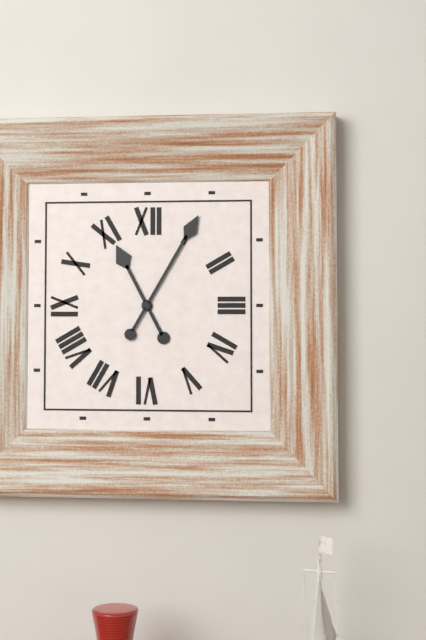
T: 11:05
